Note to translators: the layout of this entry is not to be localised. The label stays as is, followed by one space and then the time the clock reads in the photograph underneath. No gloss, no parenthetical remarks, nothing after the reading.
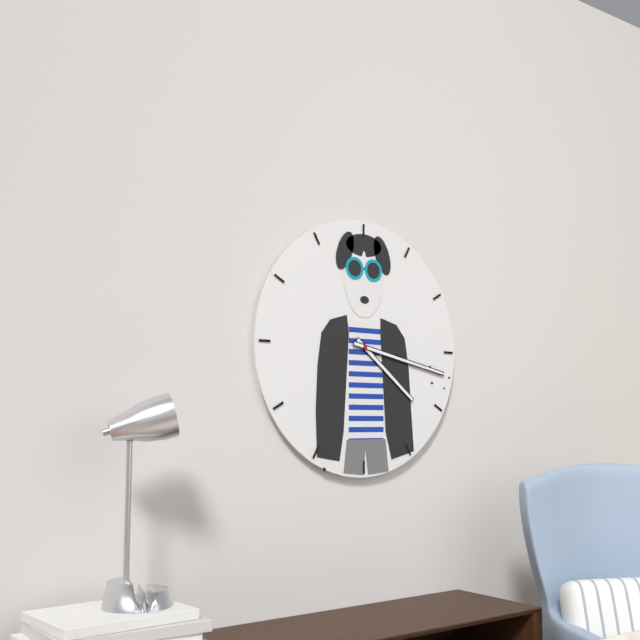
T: 4:17
